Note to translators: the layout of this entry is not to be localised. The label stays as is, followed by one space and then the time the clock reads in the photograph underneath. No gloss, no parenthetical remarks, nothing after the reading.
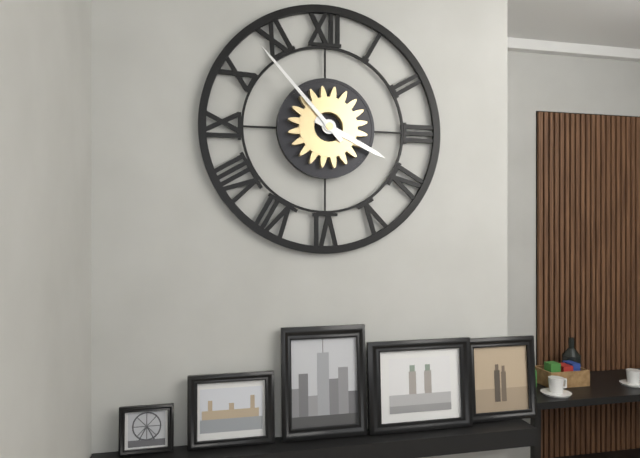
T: 3:53
